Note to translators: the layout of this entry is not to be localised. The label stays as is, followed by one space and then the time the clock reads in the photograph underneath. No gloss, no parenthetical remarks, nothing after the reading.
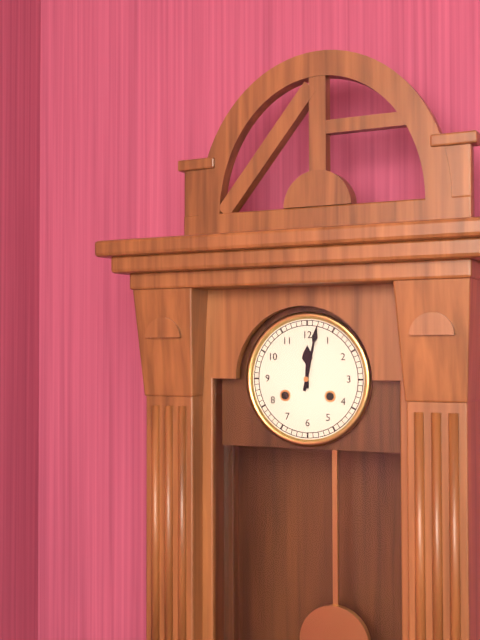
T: 12:02
